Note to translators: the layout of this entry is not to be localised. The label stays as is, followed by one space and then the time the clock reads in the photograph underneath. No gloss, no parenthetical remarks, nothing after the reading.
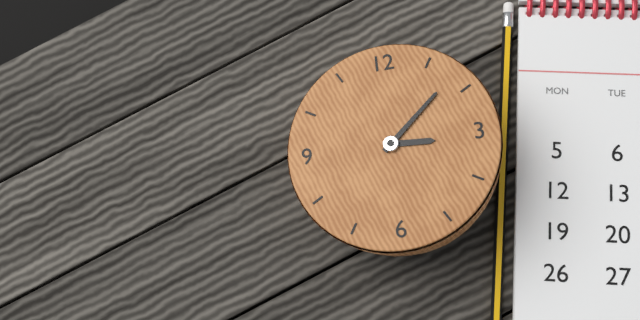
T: 3:08
